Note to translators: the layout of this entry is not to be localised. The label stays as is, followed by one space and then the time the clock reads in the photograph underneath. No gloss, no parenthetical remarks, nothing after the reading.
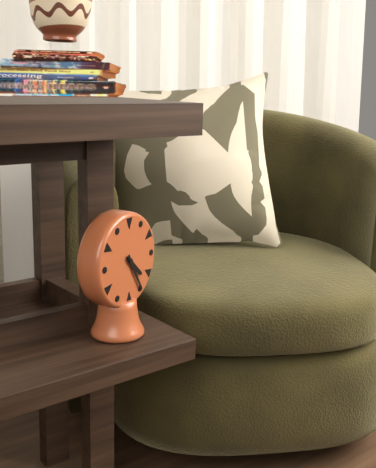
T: 4:25
